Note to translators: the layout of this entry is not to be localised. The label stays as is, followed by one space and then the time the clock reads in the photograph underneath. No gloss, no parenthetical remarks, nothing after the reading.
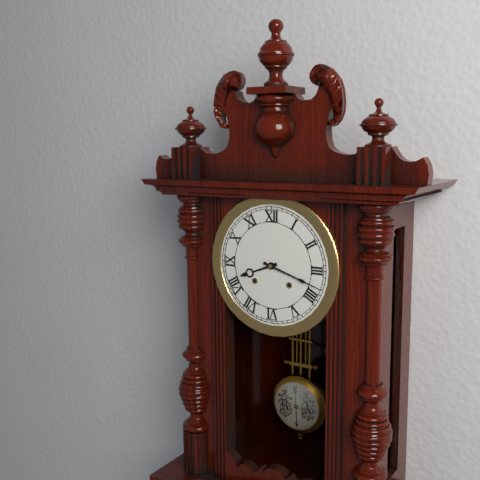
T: 8:18
